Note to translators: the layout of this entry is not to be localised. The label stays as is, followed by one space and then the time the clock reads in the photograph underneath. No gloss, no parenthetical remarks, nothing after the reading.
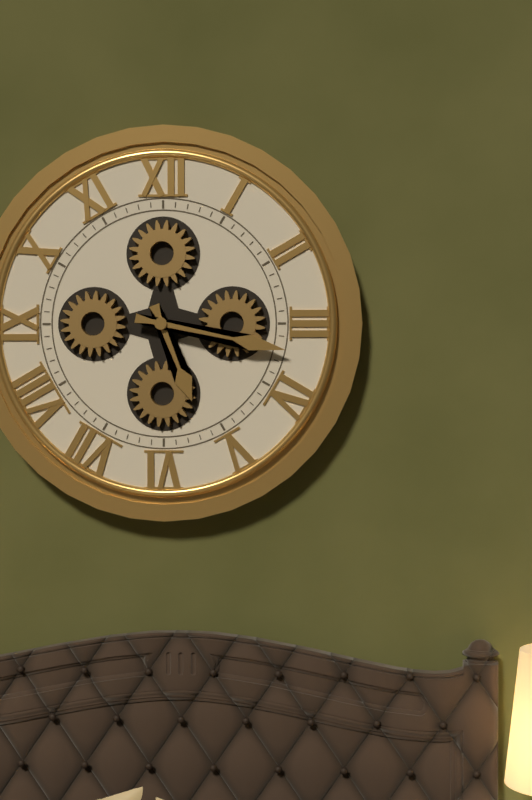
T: 5:17
